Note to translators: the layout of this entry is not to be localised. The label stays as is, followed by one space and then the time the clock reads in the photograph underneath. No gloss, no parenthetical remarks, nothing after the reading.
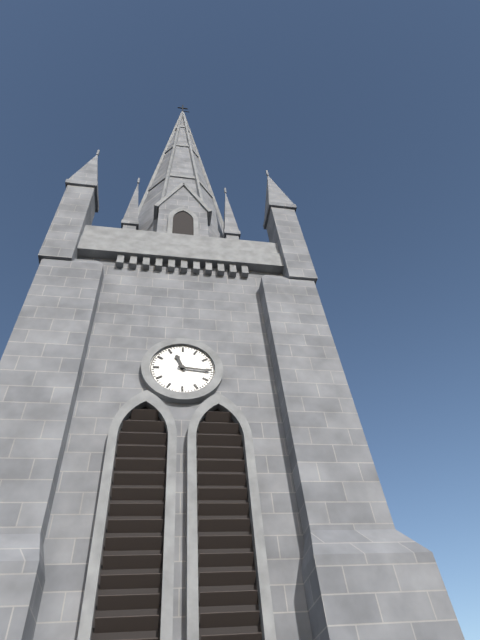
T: 11:16
